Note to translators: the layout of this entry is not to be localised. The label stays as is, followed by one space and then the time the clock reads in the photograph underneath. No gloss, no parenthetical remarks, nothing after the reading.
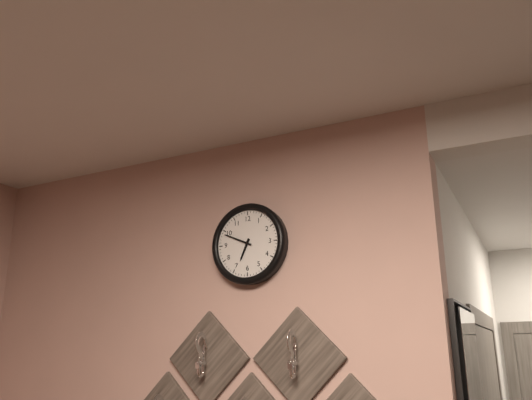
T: 6:49
